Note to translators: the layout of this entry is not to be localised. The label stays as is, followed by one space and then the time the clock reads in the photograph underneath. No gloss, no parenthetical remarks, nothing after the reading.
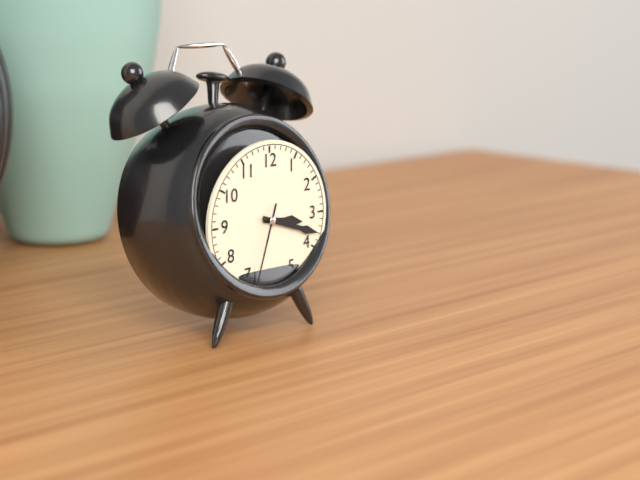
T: 3:18:33
